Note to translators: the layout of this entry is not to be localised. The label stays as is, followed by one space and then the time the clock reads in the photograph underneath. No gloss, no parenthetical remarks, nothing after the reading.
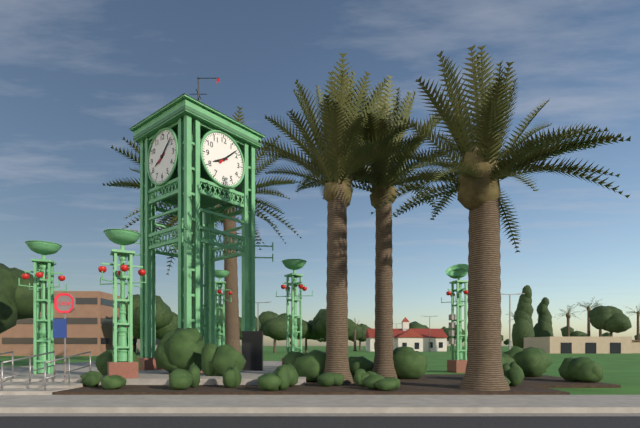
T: 8:08
